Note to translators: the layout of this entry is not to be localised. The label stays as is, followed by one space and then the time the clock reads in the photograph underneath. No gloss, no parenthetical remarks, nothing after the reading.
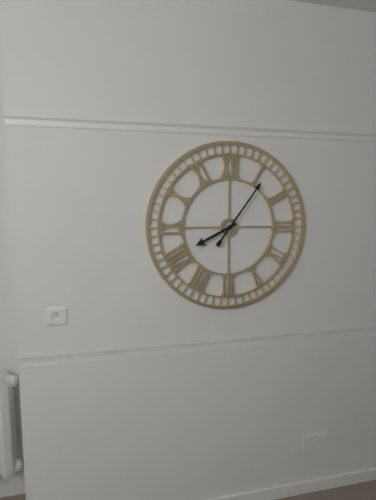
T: 8:06
